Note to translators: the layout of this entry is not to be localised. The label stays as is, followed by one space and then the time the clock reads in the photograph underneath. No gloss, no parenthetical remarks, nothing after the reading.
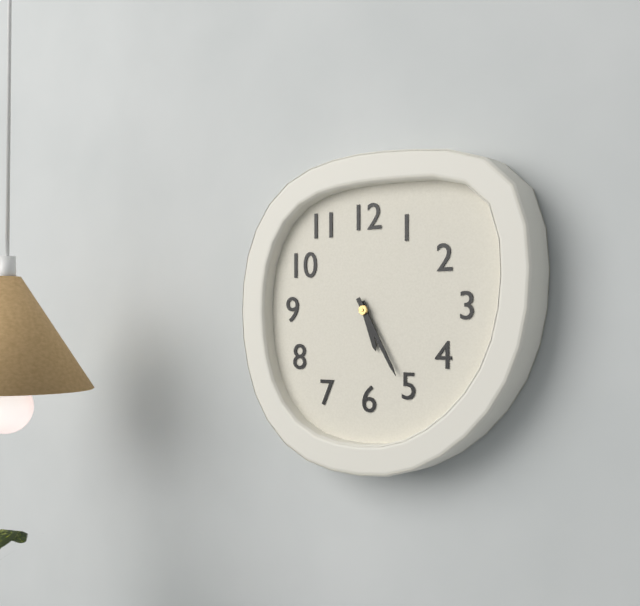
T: 5:25
